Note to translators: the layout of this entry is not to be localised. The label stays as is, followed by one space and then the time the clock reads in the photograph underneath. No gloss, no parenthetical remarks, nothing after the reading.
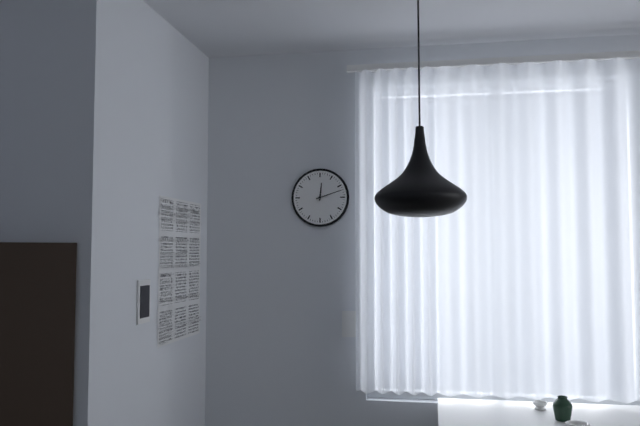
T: 12:12
